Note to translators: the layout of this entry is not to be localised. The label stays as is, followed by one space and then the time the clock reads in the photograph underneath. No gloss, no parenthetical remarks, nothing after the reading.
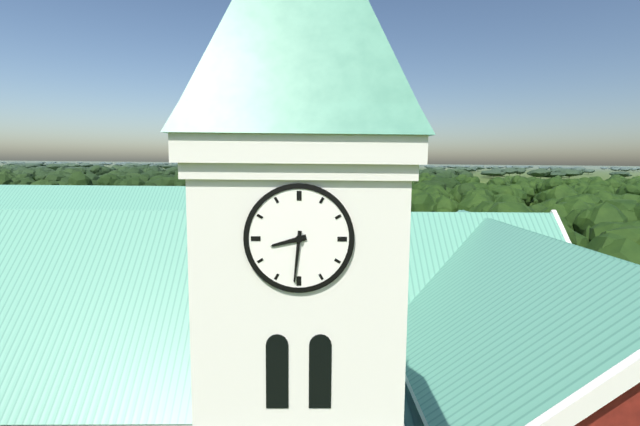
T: 8:31
